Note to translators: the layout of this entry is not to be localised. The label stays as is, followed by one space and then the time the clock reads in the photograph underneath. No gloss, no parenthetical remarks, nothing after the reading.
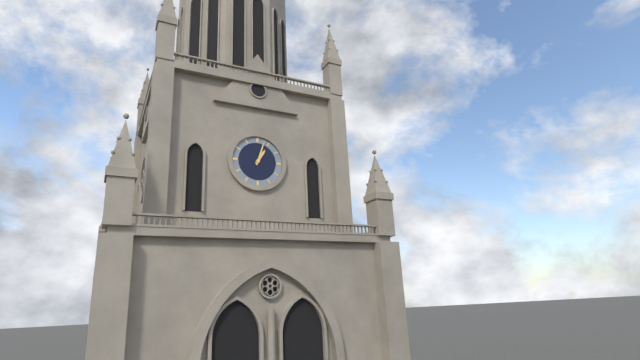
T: 1:03
